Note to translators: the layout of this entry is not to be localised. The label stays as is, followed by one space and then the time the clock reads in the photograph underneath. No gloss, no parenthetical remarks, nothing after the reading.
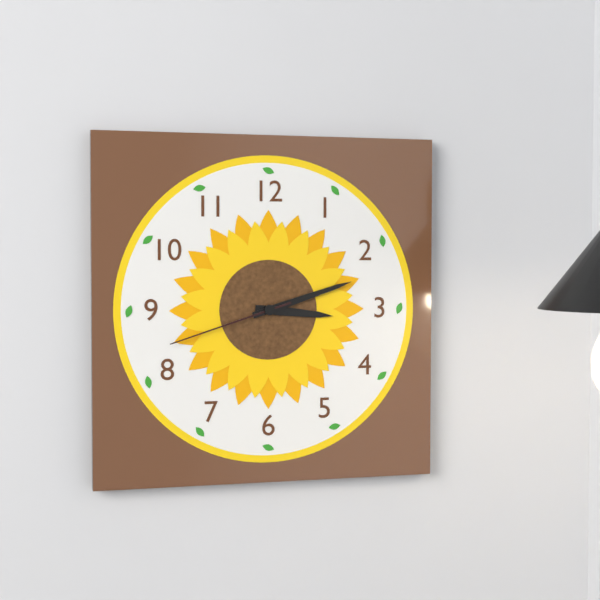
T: 3:12:42
